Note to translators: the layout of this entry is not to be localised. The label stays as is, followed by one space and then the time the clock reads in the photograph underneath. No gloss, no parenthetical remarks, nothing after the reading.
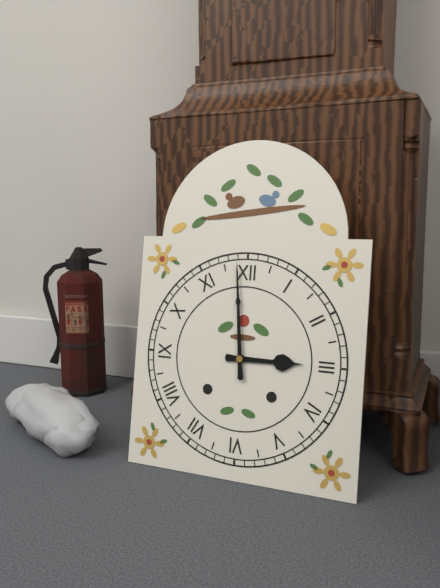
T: 2:59
